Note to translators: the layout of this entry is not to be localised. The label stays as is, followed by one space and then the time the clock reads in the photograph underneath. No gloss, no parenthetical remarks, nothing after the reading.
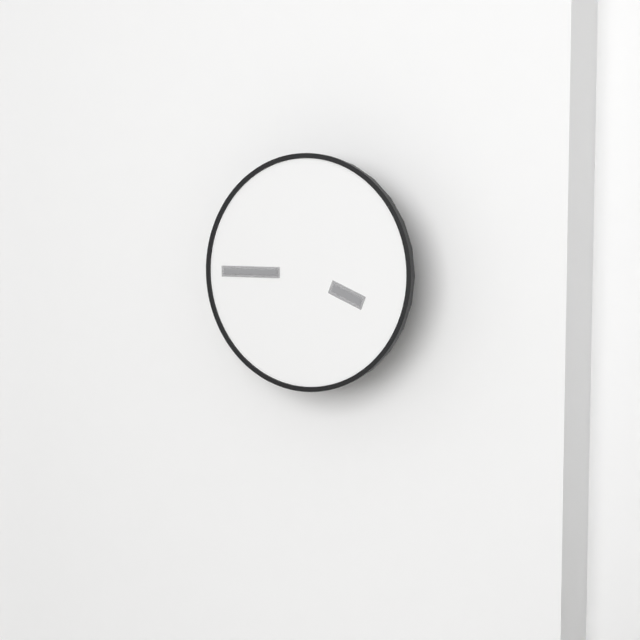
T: 3:45
